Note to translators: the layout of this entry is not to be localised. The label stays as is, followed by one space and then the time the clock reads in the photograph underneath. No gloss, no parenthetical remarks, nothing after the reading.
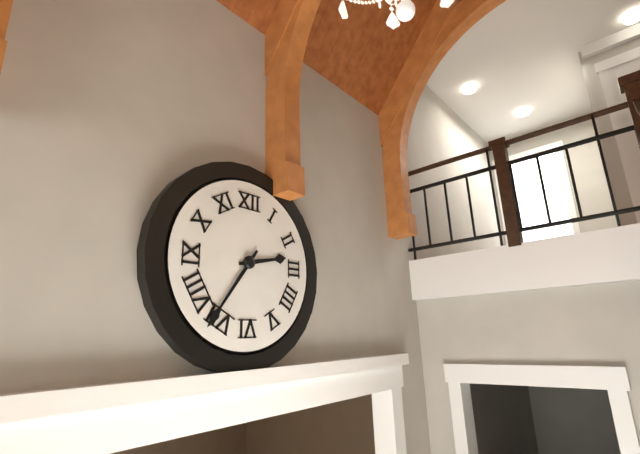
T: 2:36
